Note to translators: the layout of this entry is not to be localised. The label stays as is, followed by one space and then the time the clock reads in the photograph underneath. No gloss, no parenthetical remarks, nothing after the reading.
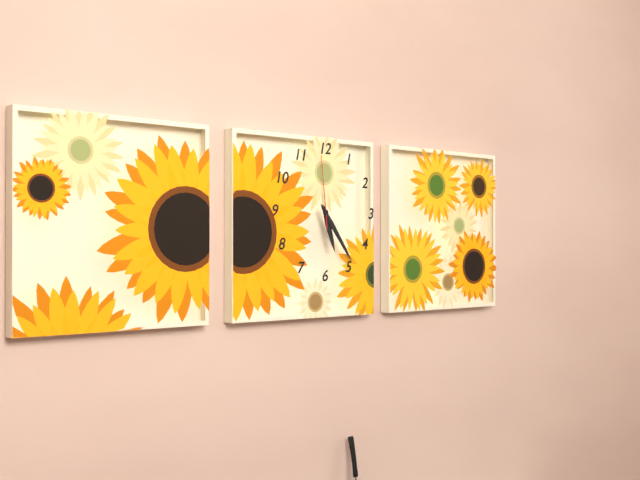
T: 5:24:59
